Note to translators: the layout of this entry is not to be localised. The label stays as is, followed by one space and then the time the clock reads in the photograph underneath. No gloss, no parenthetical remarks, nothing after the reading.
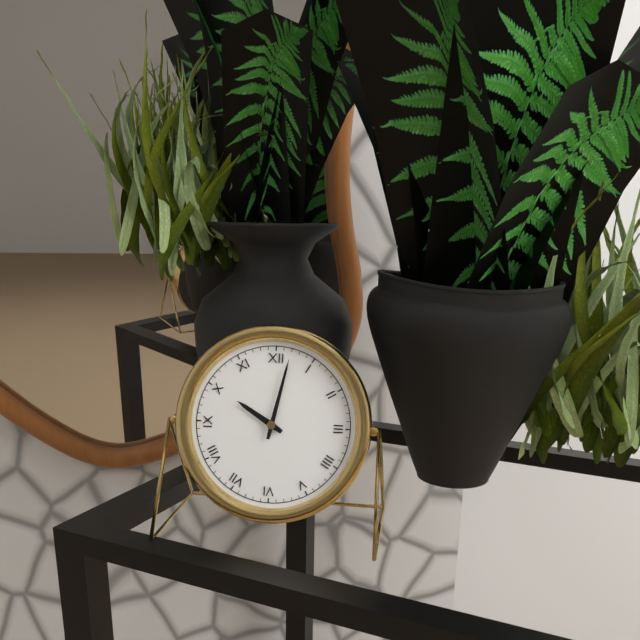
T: 10:02
